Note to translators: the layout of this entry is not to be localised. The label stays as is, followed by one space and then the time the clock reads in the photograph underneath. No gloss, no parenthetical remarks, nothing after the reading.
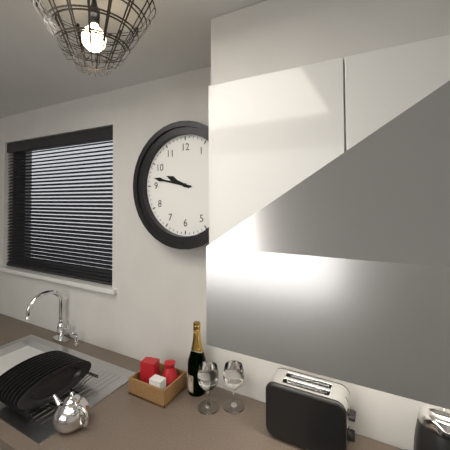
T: 9:47
